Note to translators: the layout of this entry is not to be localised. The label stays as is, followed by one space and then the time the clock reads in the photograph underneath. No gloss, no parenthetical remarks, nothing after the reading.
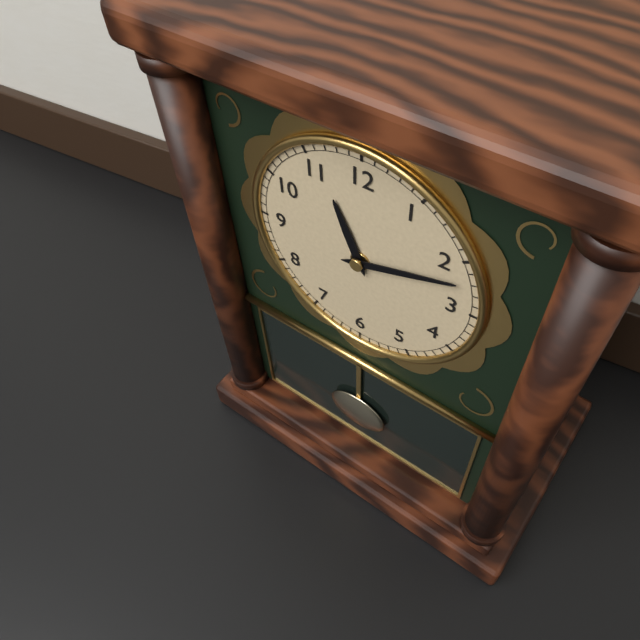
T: 11:12
